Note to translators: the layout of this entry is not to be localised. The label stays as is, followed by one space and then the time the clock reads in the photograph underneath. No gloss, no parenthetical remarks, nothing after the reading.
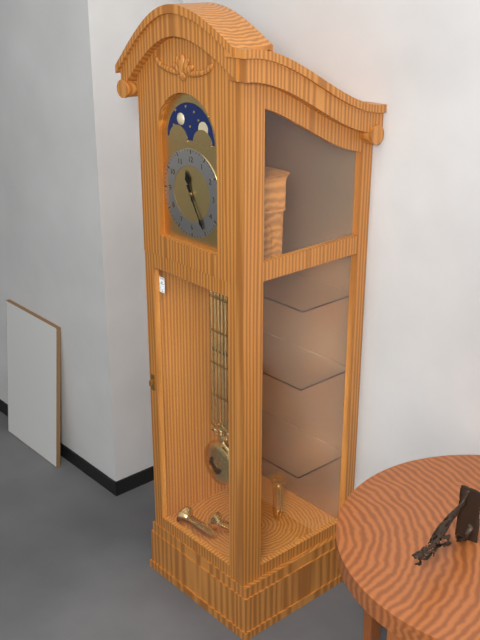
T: 11:25
